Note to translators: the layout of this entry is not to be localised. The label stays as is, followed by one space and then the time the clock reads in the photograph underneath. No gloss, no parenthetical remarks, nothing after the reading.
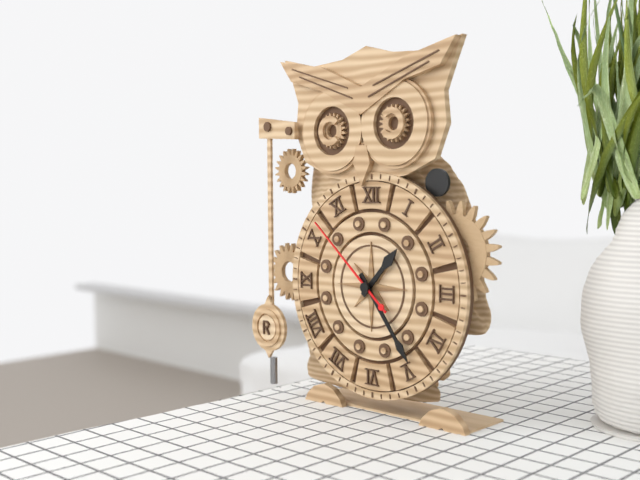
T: 1:24:52
